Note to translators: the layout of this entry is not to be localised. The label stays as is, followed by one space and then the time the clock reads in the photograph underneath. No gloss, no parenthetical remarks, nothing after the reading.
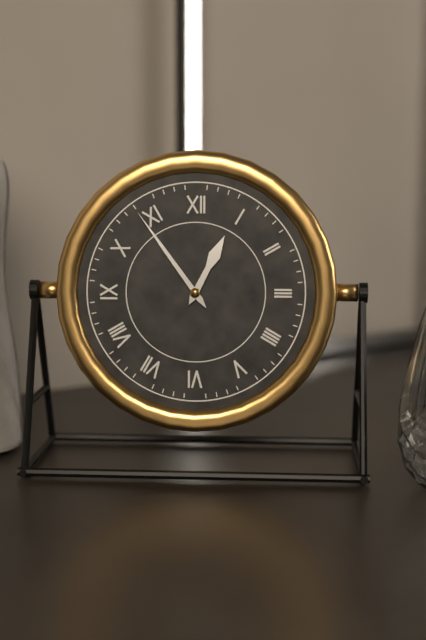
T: 12:54
